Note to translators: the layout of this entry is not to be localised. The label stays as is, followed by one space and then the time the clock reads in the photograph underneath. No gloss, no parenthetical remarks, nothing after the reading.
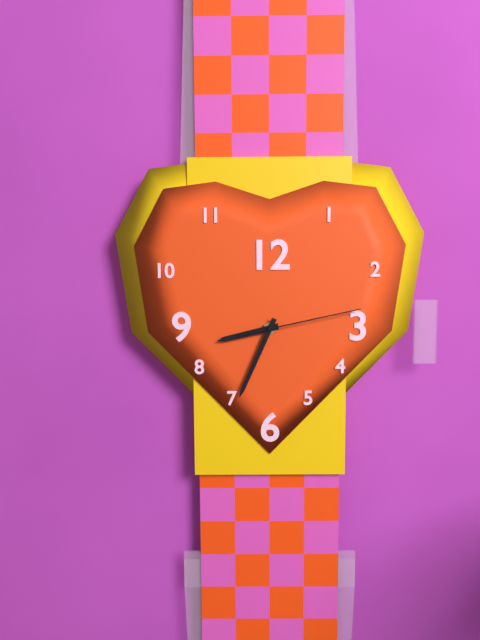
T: 8:34:13
